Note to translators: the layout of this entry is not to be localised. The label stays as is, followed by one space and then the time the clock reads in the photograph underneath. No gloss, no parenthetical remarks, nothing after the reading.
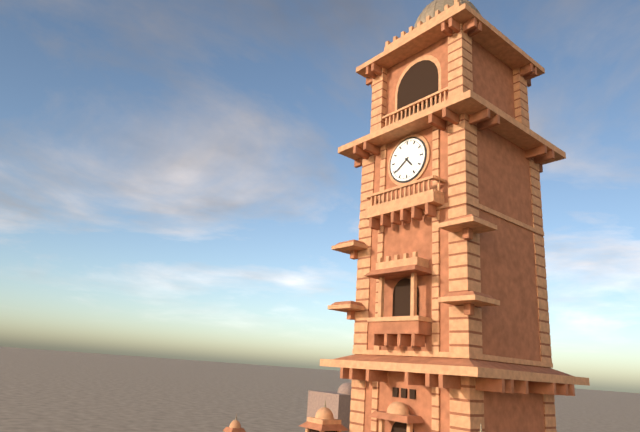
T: 4:39
